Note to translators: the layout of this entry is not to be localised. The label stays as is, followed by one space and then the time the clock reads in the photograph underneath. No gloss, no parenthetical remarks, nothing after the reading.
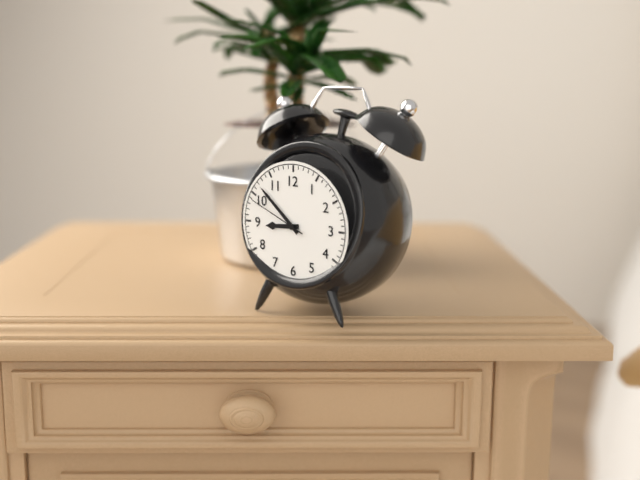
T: 8:52:49
